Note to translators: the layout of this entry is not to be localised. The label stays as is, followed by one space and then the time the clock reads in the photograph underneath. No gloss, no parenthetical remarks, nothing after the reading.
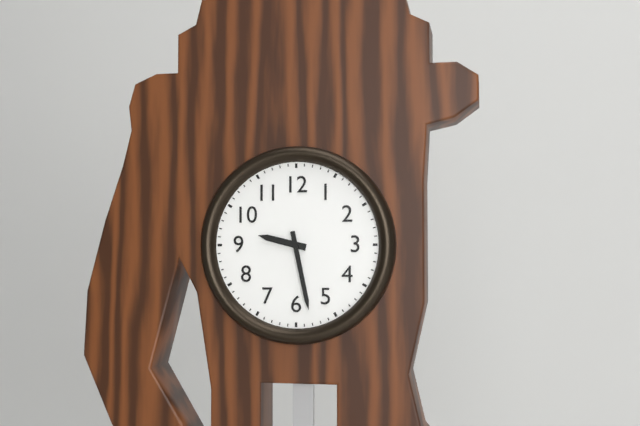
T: 9:28
